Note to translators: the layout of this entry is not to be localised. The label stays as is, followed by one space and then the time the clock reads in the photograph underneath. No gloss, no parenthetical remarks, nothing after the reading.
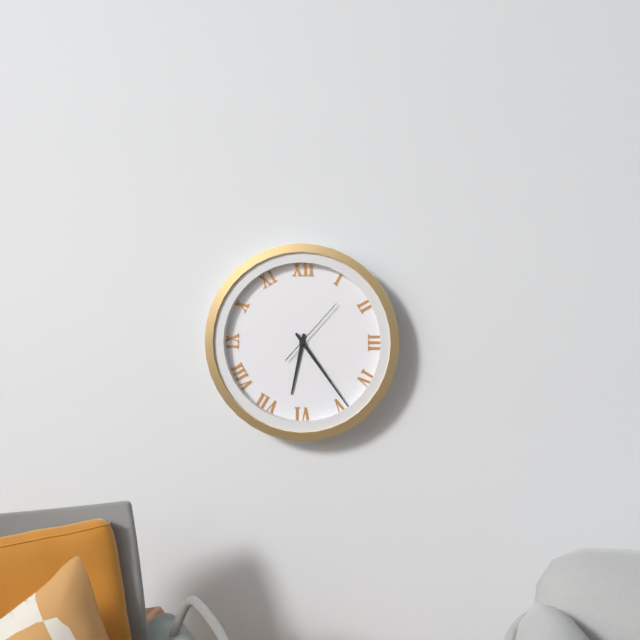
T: 6:24:07
